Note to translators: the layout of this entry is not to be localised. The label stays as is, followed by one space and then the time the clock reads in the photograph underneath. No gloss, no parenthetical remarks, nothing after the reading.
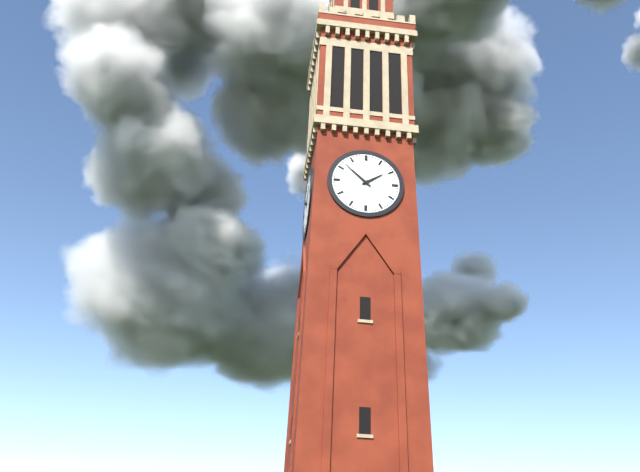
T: 1:52
